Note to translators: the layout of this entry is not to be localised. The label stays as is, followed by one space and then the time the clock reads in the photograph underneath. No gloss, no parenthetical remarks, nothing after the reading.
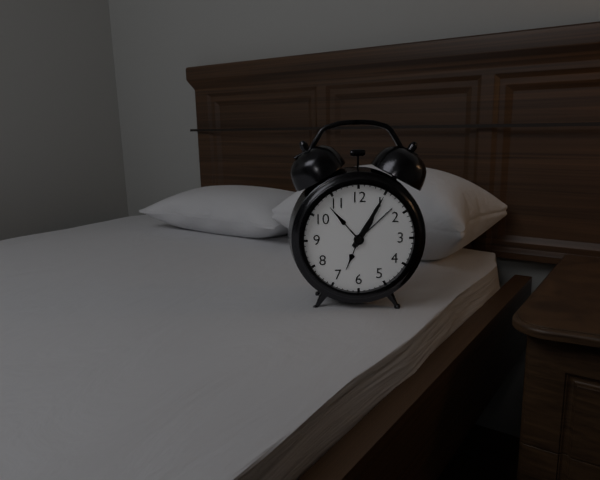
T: 1:05
